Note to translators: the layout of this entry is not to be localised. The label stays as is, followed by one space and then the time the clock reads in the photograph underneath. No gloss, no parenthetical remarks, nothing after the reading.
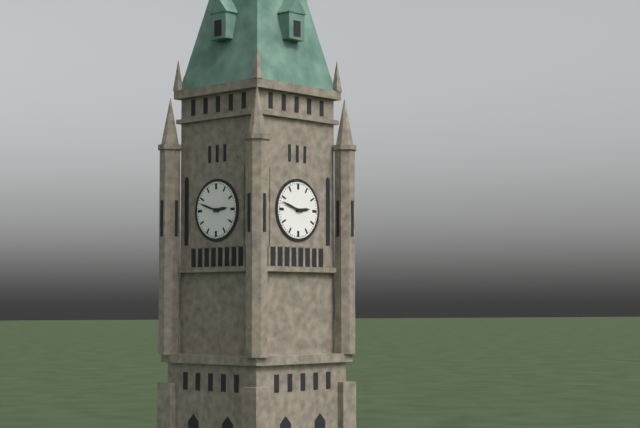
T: 2:48
